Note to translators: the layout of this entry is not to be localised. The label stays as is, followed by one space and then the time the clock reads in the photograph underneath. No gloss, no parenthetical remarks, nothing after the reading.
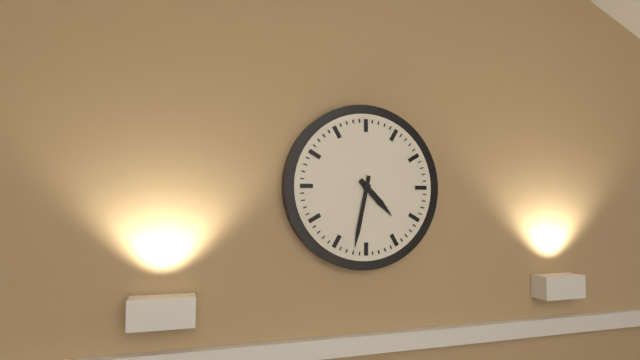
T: 4:32
